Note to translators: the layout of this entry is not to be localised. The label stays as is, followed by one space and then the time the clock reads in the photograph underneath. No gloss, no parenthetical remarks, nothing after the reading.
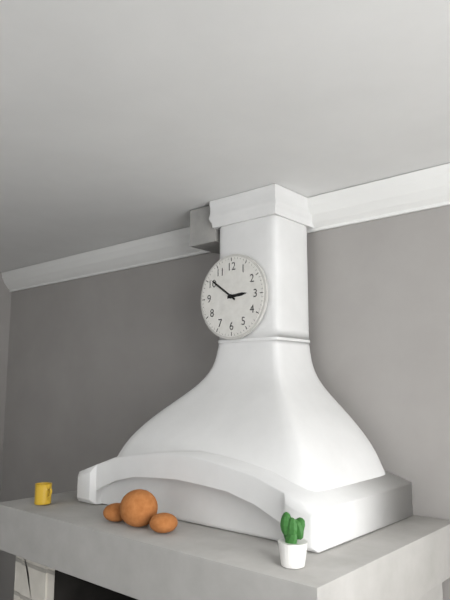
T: 2:51
